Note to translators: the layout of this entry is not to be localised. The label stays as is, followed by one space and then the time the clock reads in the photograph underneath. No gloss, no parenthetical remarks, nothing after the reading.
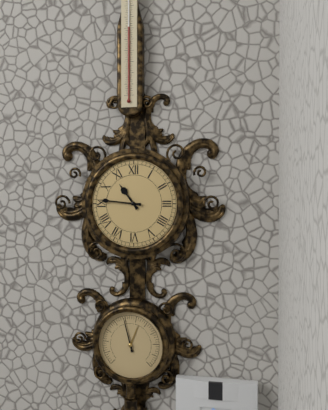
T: 10:46
